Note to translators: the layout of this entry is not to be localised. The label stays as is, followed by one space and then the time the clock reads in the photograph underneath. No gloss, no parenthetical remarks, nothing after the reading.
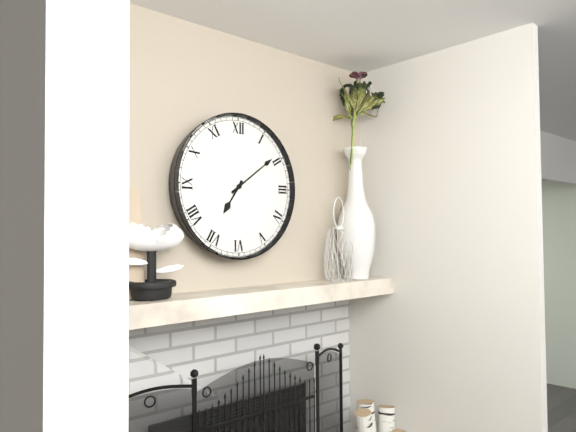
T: 7:09
